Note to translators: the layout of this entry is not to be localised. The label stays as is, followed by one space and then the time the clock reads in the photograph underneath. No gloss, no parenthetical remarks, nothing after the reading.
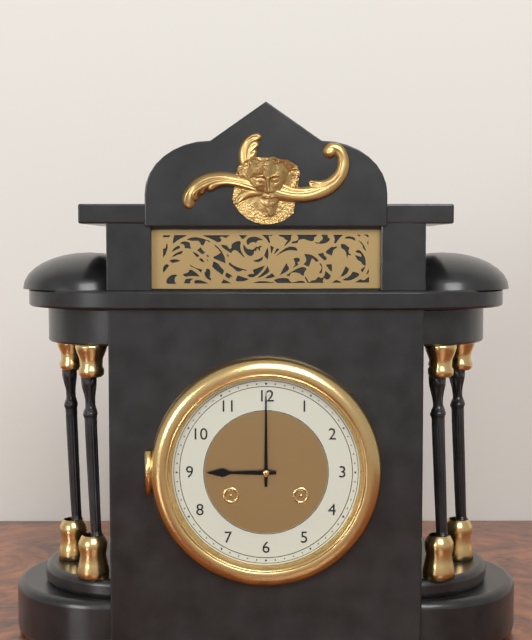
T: 9:00
